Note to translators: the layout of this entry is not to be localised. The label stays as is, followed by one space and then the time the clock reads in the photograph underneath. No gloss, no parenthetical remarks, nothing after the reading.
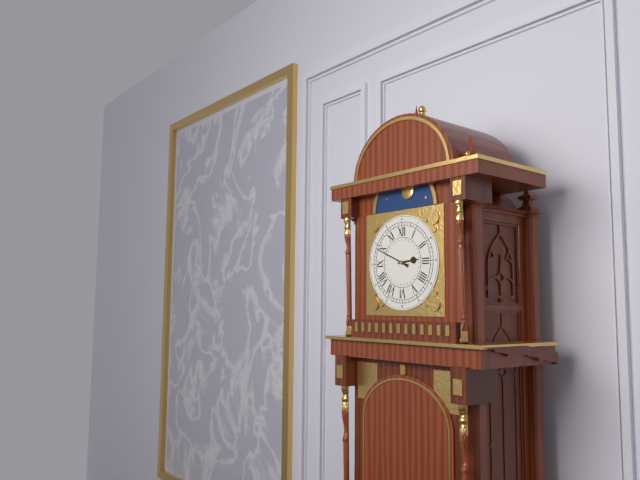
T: 2:49
